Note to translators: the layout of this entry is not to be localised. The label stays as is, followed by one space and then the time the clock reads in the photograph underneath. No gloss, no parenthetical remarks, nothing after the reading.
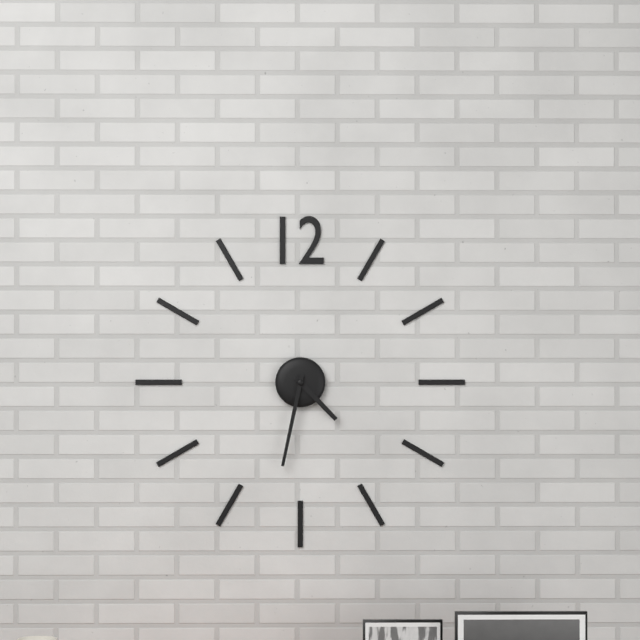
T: 4:32
